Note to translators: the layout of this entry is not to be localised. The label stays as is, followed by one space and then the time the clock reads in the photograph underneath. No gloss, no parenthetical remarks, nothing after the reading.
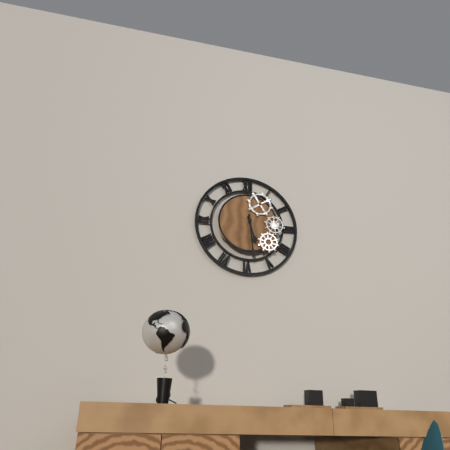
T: 5:29
